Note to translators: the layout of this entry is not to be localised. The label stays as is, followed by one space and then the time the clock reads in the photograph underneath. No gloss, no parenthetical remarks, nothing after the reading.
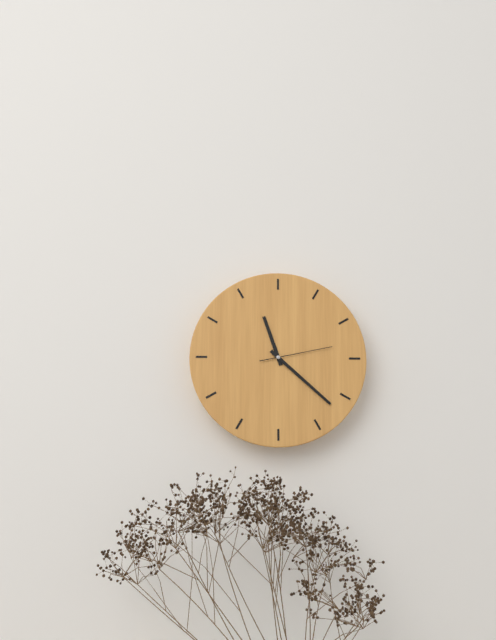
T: 11:22:13
